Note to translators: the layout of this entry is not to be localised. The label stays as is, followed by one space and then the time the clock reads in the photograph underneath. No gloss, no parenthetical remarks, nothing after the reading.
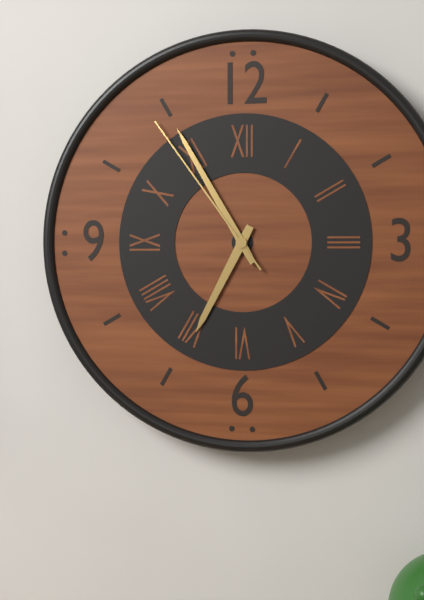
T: 6:55:54
